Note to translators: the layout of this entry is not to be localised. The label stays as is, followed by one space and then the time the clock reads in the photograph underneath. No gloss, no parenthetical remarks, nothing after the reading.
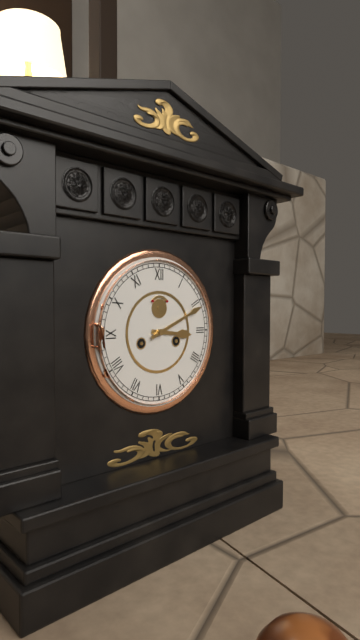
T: 3:11
